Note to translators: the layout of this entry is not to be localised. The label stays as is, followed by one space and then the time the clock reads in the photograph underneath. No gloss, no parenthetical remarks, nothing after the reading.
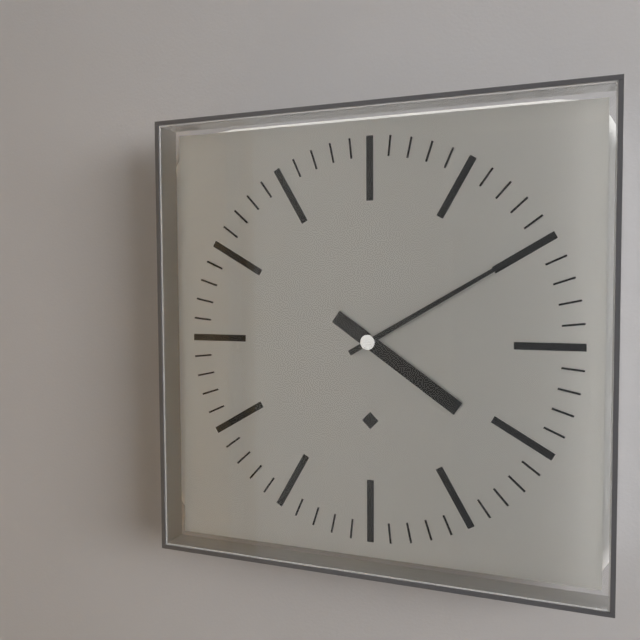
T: 4:10
